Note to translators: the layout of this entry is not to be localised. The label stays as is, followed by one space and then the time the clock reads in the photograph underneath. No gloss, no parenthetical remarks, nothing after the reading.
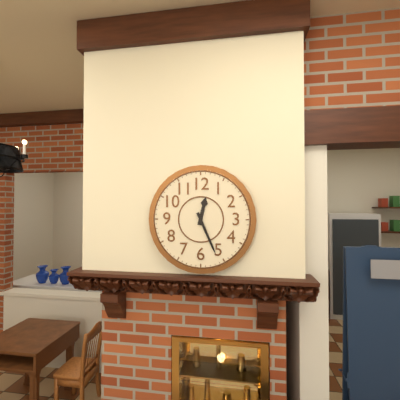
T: 12:26
